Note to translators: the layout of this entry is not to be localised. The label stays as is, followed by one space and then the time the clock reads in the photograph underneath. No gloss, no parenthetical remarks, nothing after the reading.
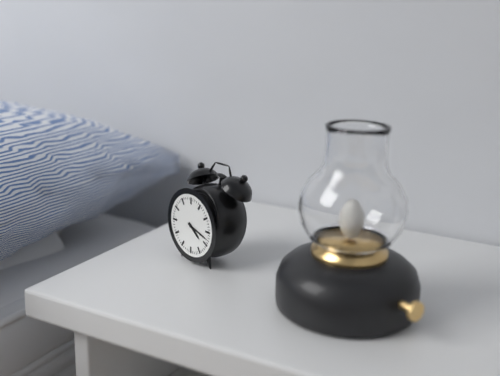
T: 4:18
